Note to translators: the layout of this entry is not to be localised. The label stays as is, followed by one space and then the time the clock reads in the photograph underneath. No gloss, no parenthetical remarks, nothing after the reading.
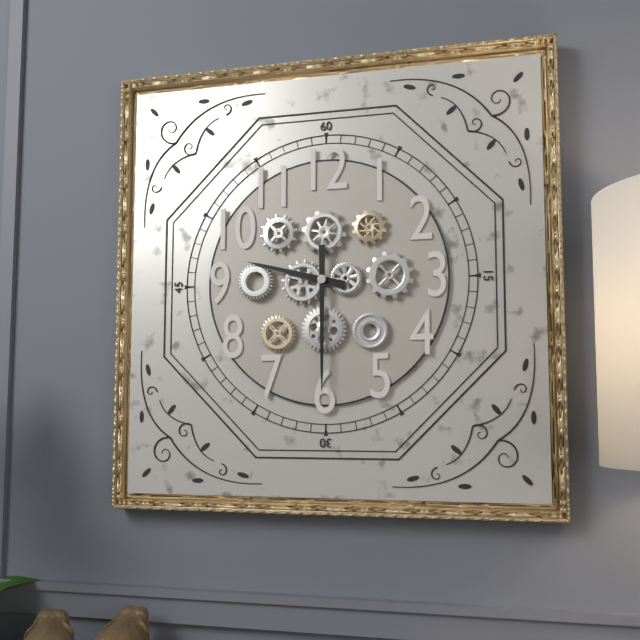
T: 9:30
